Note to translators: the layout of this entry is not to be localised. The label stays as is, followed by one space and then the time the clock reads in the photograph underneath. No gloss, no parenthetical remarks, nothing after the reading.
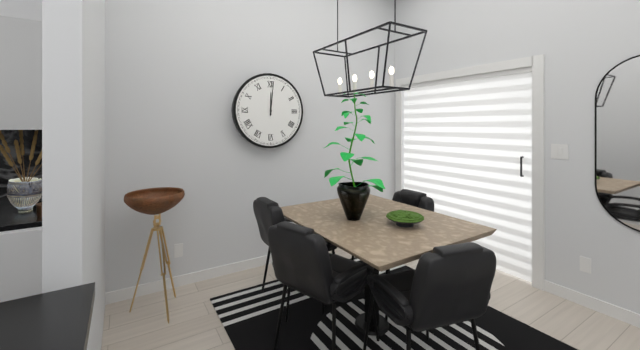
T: 12:01
